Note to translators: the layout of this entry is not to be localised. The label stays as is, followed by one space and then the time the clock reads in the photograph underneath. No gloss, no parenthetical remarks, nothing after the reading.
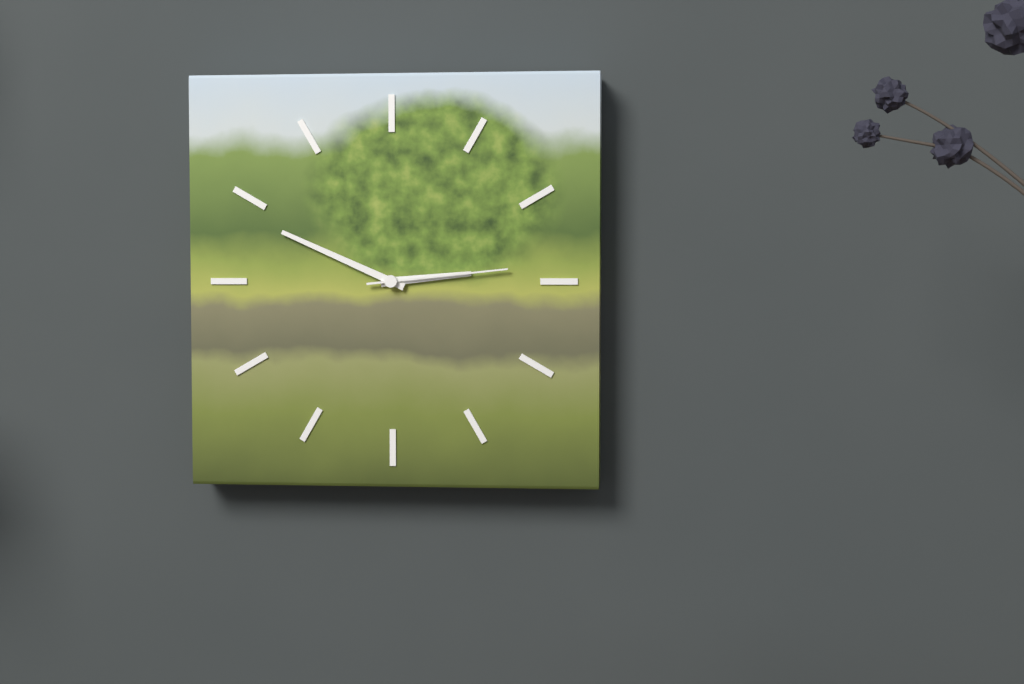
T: 2:49:14
